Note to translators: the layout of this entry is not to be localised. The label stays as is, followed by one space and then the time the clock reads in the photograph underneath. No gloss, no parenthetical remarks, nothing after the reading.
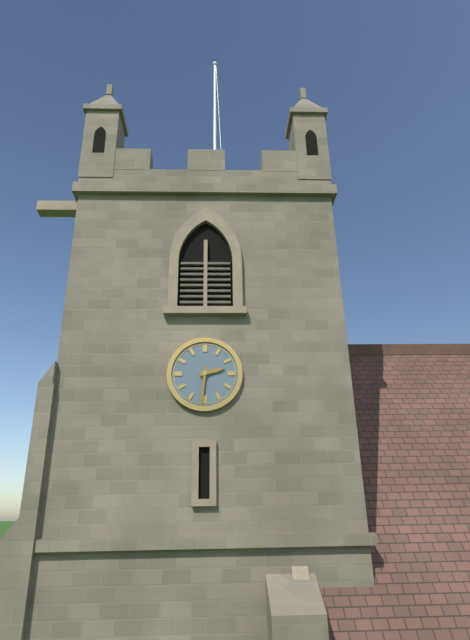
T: 2:31
